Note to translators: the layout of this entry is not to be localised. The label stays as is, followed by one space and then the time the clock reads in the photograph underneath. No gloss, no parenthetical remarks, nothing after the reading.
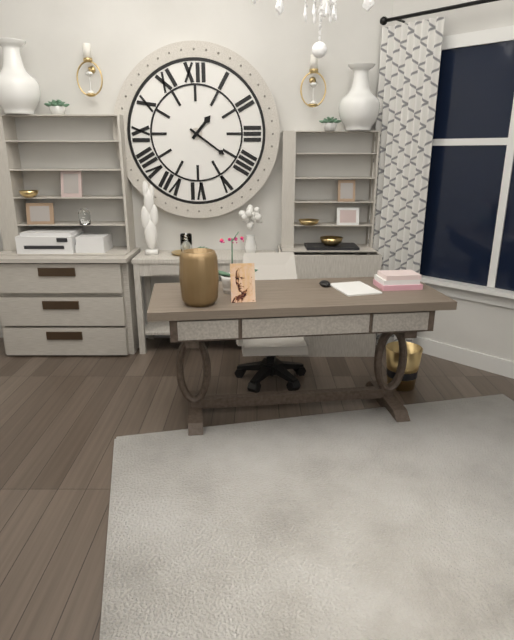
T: 1:21
